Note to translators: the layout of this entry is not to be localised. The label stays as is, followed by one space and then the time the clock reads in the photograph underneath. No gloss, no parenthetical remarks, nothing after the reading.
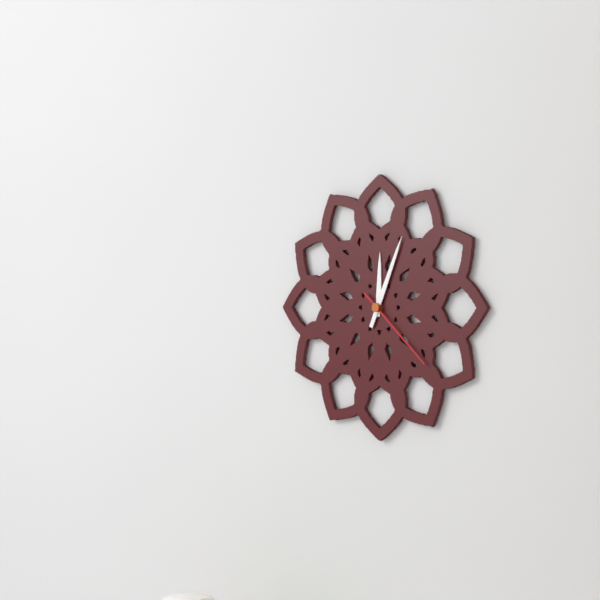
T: 12:04:22
